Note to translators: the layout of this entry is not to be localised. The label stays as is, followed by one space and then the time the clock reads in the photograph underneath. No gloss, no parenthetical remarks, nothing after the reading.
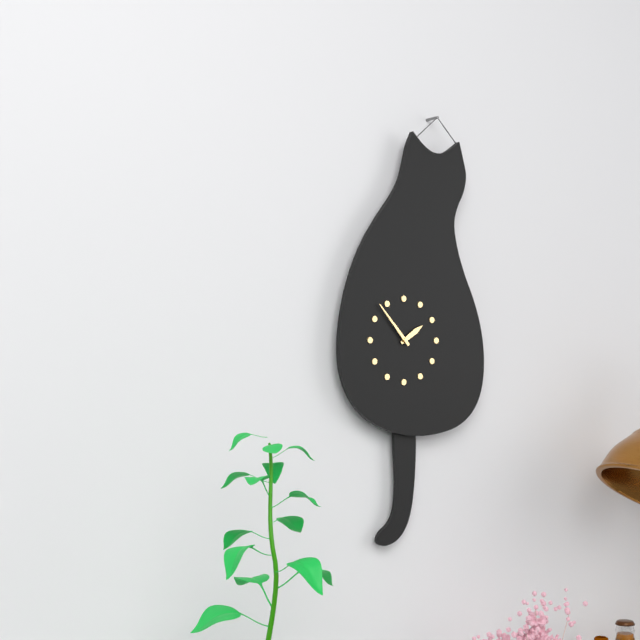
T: 1:53
